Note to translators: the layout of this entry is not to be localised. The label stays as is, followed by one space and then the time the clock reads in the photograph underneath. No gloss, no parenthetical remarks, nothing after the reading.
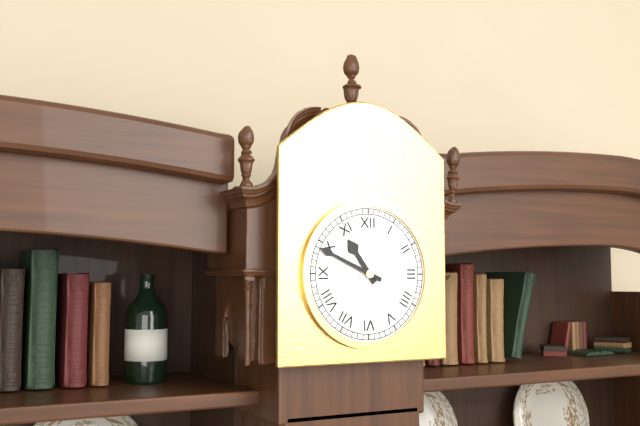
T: 10:49
